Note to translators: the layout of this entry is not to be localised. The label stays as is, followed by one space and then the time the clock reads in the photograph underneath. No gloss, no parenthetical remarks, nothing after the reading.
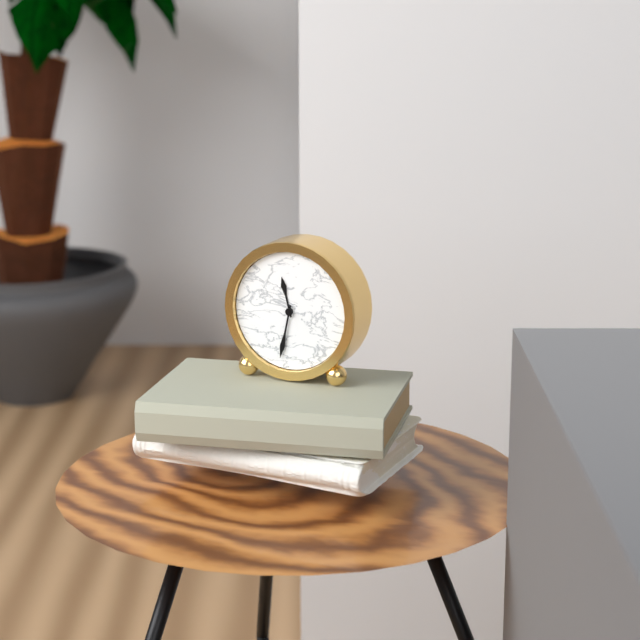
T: 11:32
